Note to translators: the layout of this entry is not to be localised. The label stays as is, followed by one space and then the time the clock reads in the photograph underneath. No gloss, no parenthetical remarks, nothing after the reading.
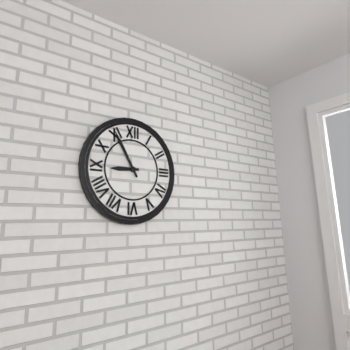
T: 8:55
